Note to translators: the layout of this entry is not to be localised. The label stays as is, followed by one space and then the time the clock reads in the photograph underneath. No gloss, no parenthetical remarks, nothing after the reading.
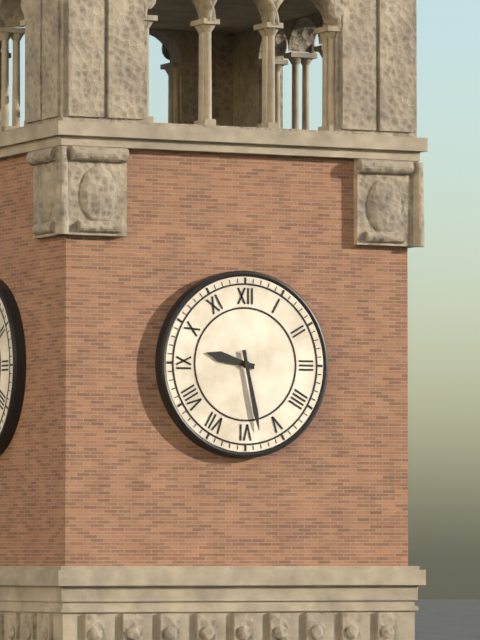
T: 9:28
